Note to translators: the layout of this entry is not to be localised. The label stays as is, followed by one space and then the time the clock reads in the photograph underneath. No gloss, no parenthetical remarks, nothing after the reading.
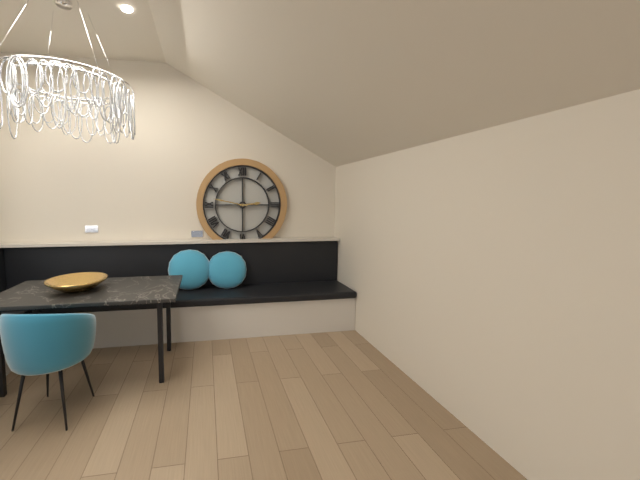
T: 2:47
